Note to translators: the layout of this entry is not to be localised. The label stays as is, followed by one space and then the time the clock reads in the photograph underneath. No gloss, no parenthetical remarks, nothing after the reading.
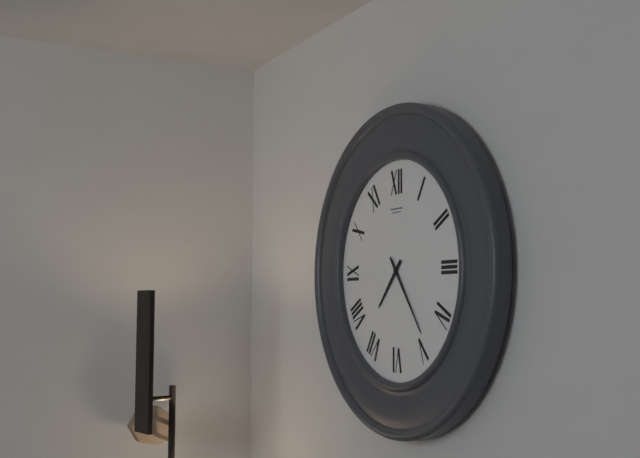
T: 7:24
